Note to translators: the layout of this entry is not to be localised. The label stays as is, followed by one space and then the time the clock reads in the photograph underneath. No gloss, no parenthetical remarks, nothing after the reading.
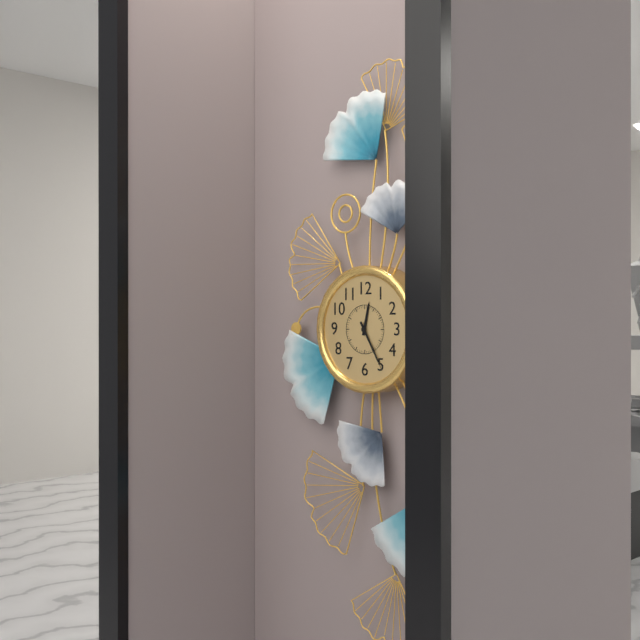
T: 12:25
